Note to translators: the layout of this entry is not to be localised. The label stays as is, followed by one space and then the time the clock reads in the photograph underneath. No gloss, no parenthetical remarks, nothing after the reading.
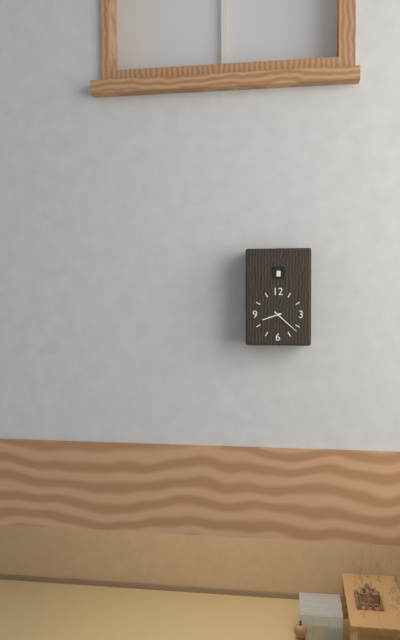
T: 8:22
